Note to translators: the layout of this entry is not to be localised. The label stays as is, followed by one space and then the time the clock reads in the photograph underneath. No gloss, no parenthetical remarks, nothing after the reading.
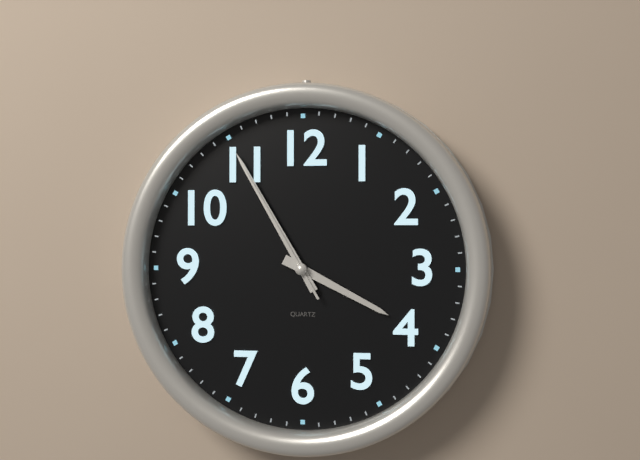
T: 3:55:55
